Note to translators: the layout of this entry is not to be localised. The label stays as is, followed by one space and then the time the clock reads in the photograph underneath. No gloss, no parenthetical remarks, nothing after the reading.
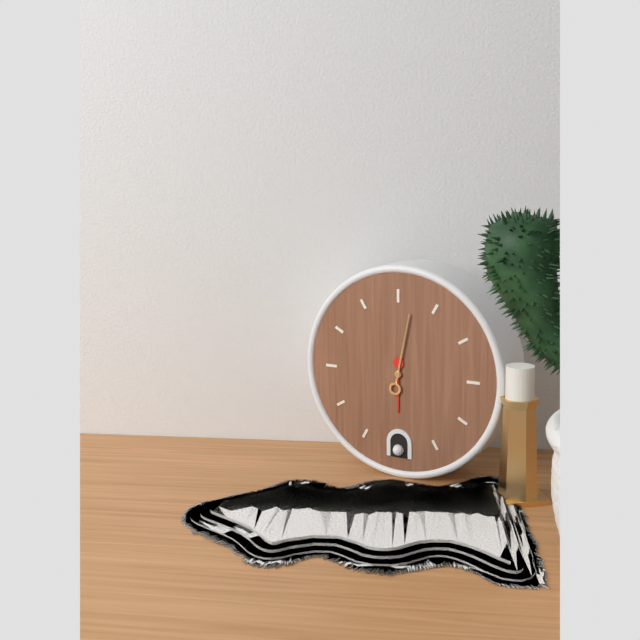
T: 6:02
